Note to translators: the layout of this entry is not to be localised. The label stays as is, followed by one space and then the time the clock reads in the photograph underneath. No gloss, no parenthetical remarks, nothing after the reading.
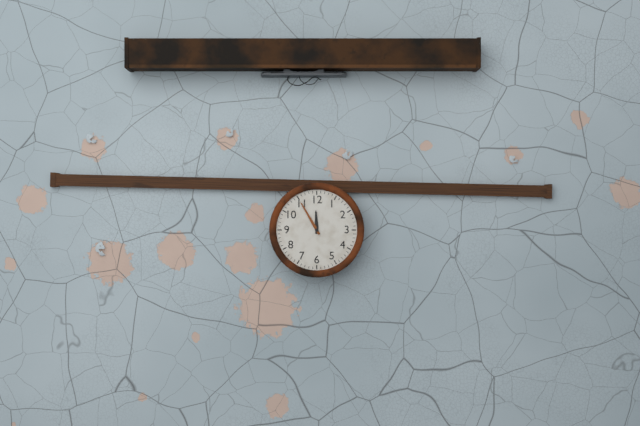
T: 11:55
